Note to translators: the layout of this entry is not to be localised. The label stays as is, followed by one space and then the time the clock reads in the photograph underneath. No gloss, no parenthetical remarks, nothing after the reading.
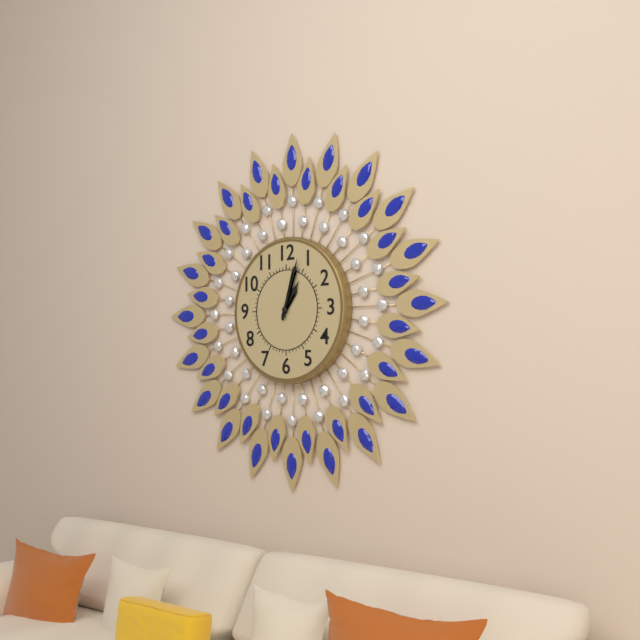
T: 1:03
